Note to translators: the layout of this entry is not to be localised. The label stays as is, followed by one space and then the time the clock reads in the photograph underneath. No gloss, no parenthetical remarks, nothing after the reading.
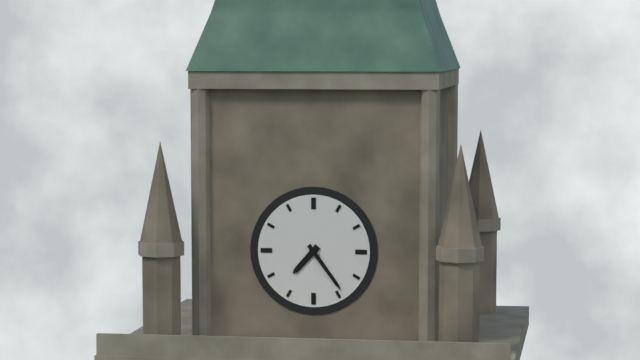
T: 7:24
